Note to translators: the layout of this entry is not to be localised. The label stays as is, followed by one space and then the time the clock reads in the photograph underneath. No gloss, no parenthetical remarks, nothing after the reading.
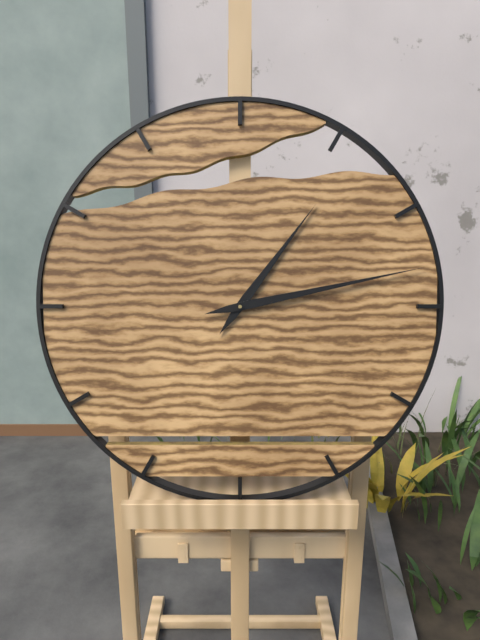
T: 1:13
